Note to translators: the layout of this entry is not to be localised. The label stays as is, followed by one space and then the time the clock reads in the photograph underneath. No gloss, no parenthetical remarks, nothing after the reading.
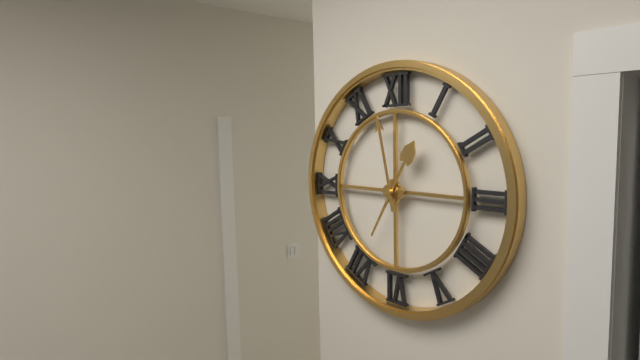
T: 12:58
